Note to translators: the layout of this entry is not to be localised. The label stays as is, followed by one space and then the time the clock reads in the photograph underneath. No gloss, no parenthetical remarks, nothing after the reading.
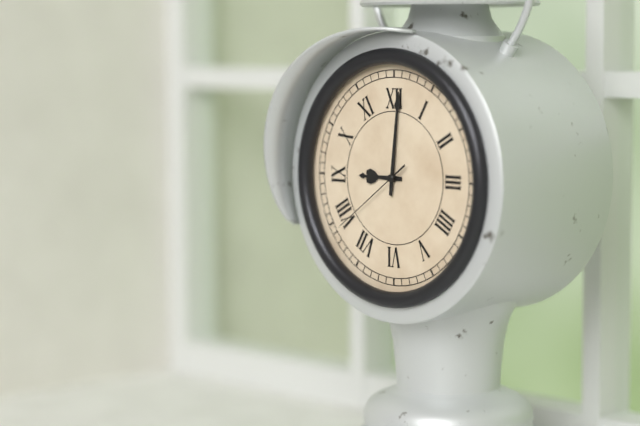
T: 9:01:39
